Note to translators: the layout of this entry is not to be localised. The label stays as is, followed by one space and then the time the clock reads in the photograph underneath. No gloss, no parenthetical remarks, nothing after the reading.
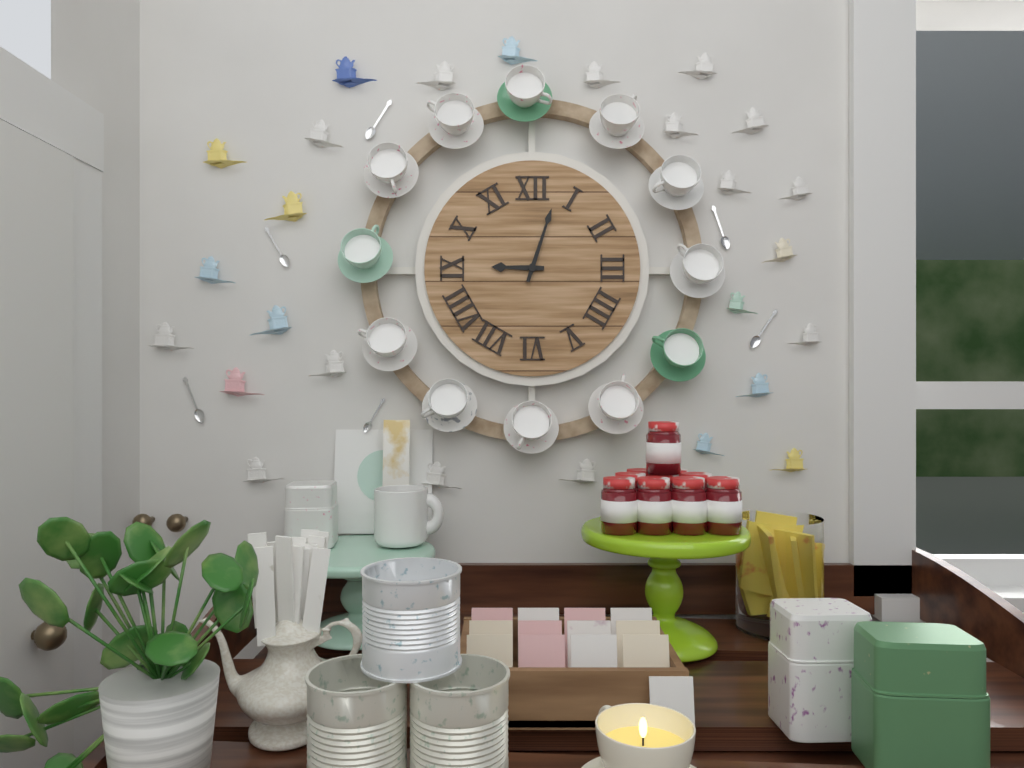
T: 9:03
